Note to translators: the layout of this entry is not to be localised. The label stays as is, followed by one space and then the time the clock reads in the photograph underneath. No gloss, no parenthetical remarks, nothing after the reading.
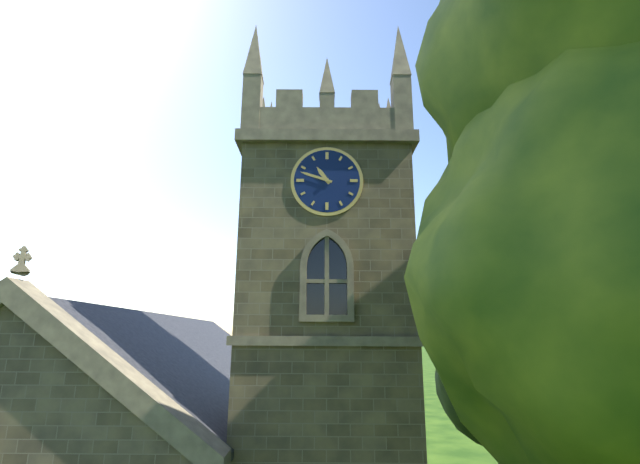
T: 10:48
